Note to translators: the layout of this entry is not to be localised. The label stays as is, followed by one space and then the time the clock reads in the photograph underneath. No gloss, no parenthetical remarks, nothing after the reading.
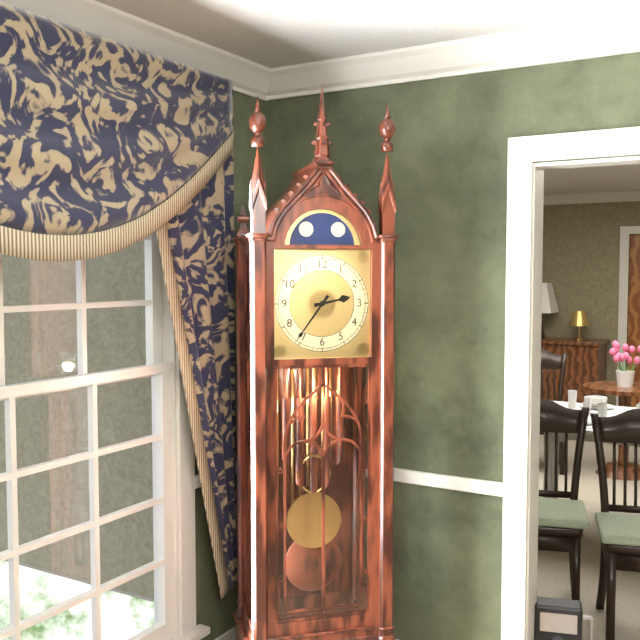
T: 2:36
